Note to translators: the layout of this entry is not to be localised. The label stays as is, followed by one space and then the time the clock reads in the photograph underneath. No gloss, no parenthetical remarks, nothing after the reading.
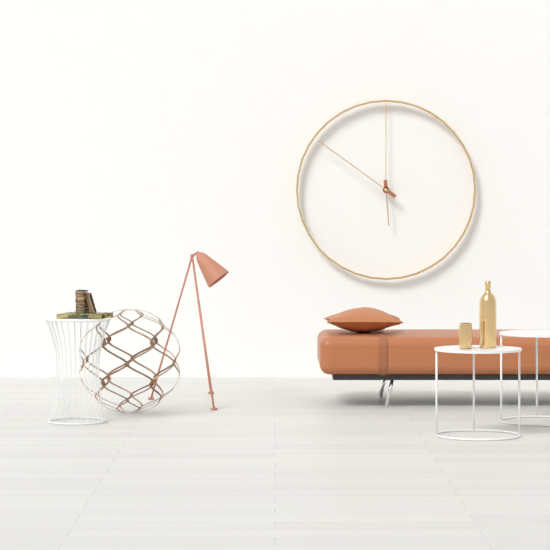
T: 5:51
